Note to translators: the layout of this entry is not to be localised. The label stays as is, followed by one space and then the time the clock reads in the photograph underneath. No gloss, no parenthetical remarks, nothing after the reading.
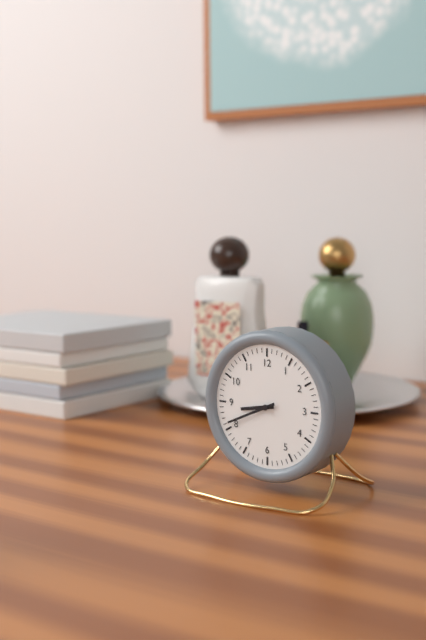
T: 8:41
